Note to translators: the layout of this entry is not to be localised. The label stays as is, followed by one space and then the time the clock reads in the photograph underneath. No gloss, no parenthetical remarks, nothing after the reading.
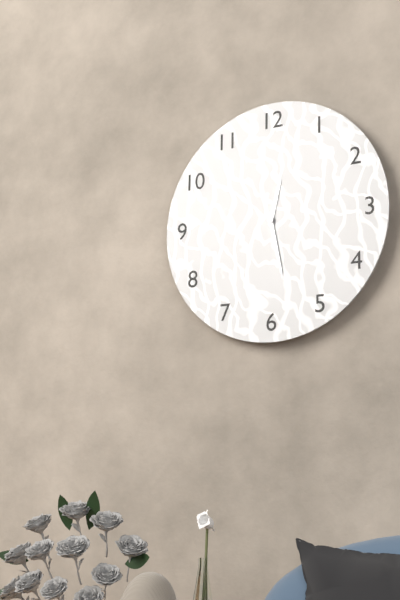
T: 12:28
